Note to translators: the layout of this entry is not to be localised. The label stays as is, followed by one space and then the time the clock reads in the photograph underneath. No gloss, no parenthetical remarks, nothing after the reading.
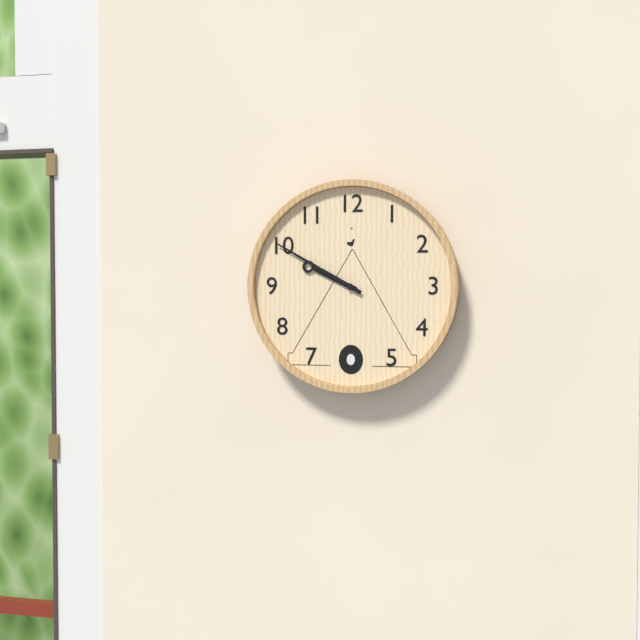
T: 9:50
